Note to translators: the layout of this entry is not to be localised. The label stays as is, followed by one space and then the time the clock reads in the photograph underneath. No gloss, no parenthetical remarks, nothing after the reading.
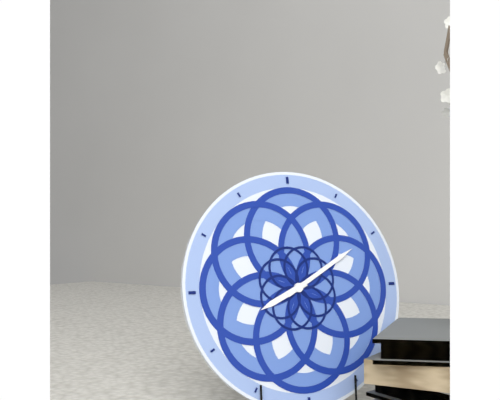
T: 8:10
